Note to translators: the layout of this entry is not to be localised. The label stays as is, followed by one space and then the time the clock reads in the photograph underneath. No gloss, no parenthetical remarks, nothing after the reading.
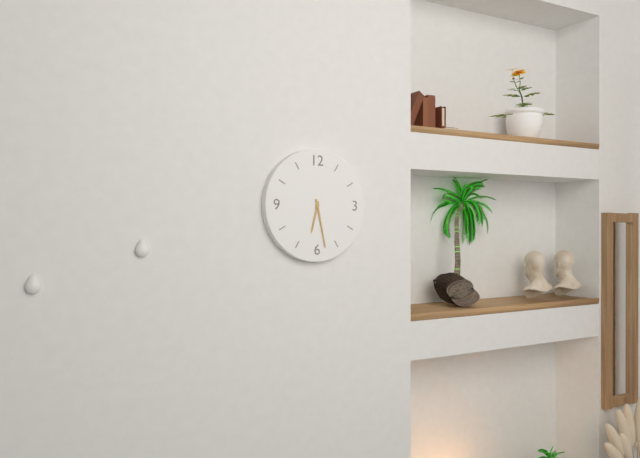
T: 6:28
